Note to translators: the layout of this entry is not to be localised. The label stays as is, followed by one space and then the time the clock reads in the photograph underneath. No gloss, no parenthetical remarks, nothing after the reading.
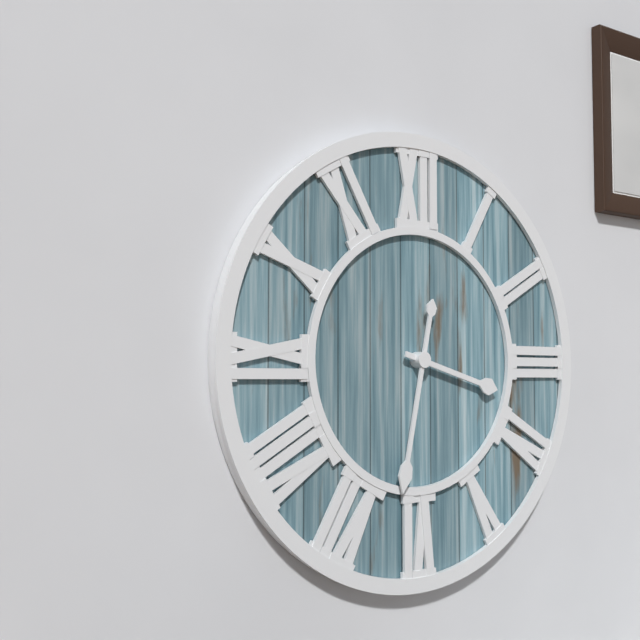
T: 3:32
